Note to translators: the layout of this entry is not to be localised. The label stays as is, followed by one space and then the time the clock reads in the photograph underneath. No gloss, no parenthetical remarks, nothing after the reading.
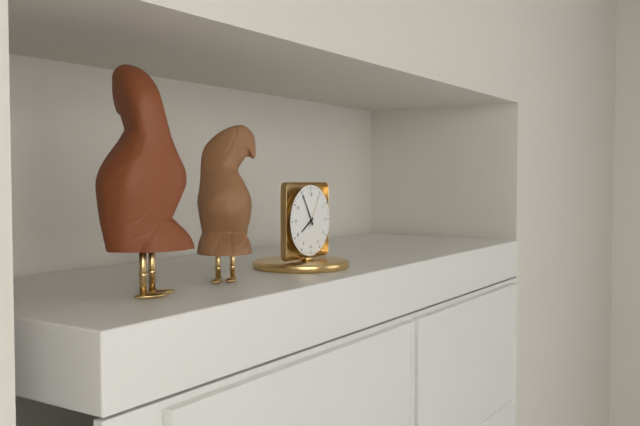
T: 7:55
